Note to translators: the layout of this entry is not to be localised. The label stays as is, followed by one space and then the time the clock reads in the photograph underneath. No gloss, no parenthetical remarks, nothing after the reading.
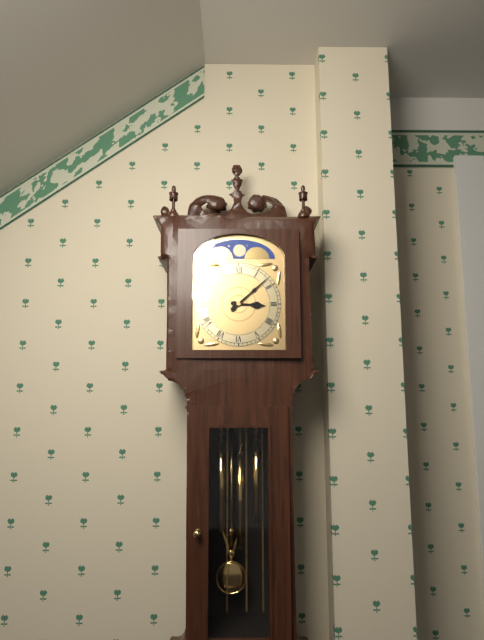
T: 3:08
